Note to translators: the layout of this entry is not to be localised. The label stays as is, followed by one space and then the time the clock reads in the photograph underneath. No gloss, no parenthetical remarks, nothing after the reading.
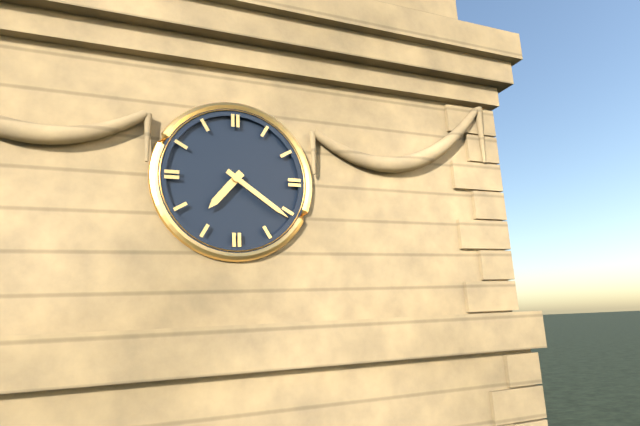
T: 7:21
